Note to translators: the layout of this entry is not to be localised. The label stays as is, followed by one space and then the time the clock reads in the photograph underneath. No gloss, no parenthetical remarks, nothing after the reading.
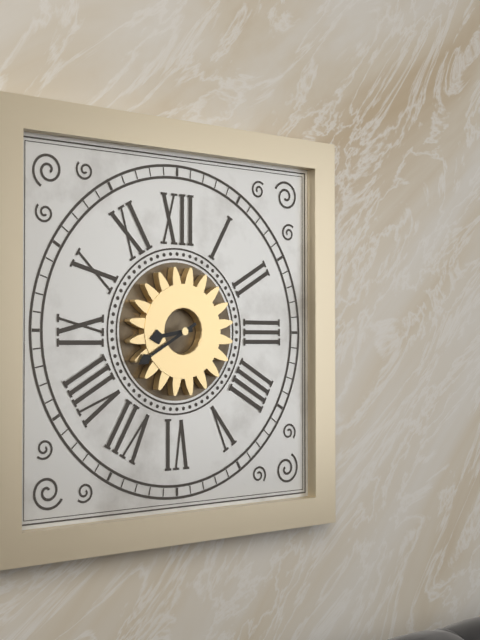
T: 8:40
